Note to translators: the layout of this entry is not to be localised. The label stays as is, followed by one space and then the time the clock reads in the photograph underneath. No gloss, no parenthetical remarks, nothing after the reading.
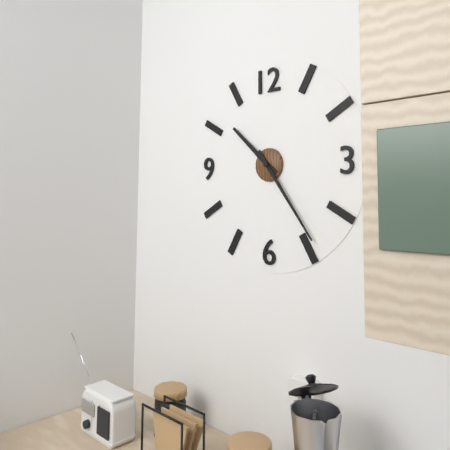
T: 10:24
